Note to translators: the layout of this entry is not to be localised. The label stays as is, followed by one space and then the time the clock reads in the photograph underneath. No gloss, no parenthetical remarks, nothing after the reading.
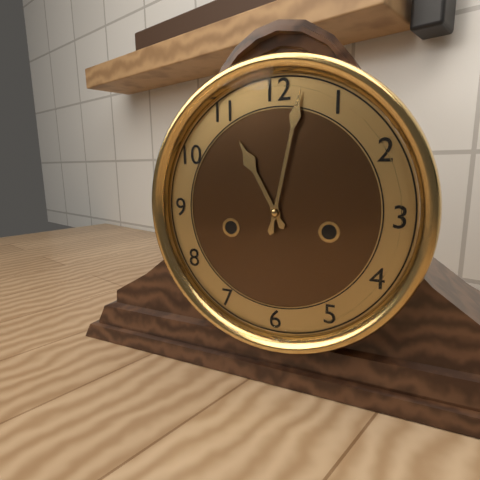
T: 11:02
